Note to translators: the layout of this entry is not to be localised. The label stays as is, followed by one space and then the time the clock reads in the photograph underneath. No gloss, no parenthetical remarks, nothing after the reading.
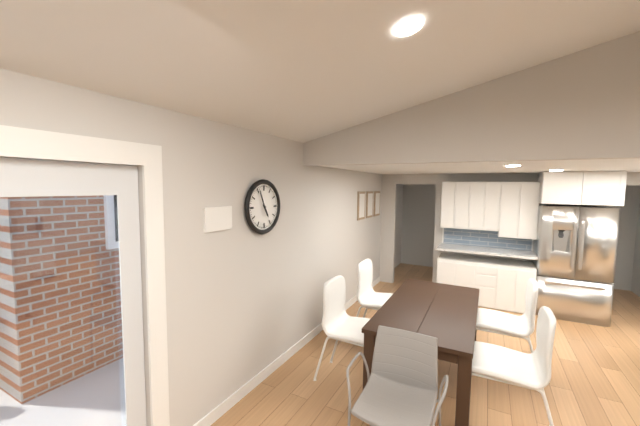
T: 4:56
